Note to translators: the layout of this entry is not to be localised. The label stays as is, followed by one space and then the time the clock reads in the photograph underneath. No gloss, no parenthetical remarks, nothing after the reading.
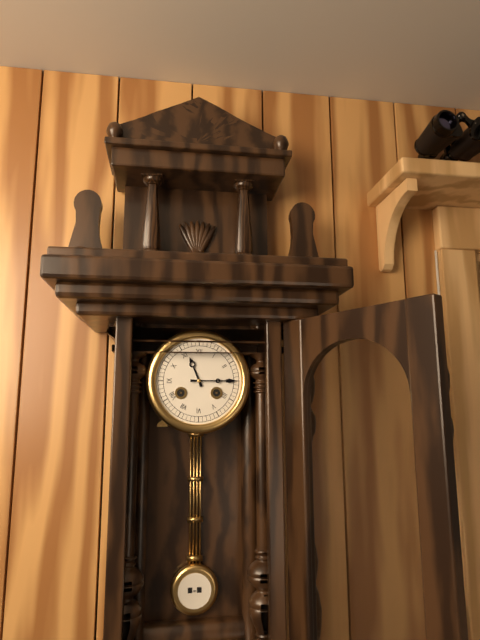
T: 11:15
